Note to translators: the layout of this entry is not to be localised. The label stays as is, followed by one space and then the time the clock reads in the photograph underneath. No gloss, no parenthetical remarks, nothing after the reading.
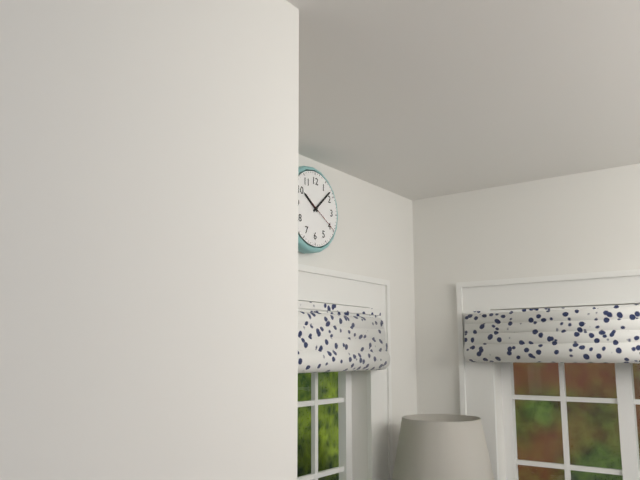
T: 10:08
